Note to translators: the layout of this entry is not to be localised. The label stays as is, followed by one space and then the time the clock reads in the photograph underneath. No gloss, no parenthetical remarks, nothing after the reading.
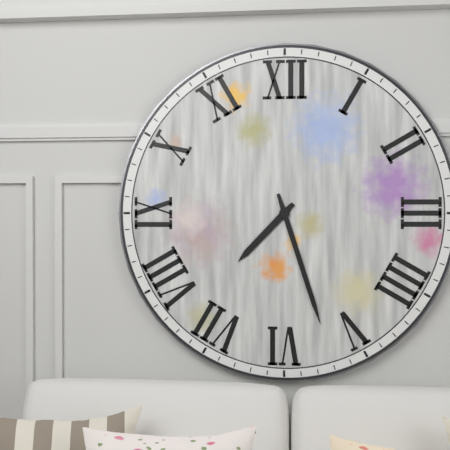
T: 7:27
